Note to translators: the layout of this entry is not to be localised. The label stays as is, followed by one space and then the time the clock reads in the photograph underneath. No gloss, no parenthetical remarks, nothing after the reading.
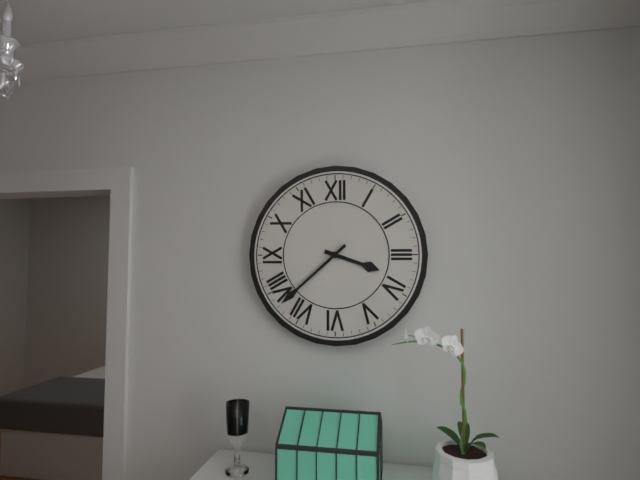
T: 3:38
